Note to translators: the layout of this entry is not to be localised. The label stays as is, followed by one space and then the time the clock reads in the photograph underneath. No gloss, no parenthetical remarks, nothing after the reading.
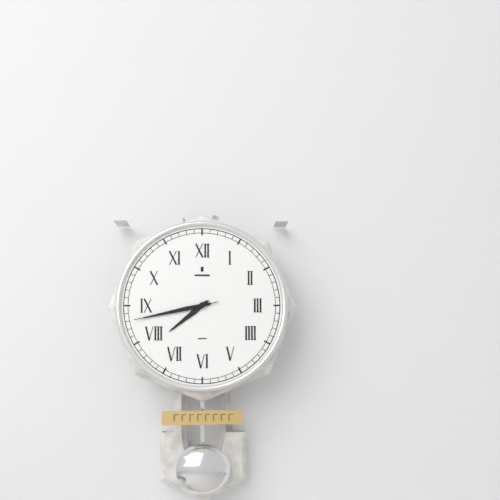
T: 7:43:43
